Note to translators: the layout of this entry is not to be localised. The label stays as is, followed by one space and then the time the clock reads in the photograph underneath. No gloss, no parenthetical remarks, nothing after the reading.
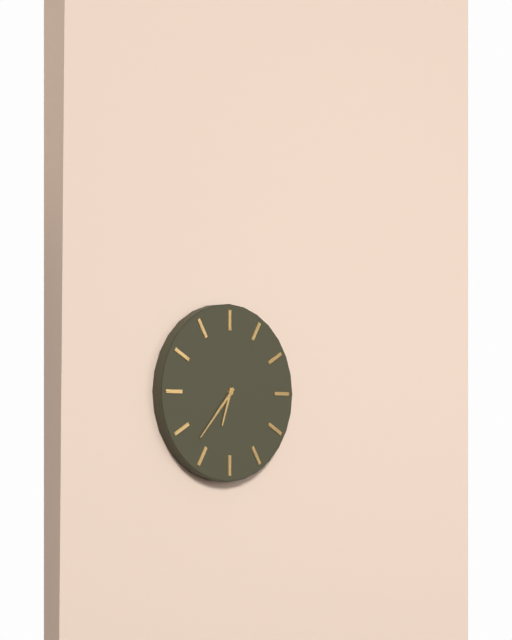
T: 6:37
